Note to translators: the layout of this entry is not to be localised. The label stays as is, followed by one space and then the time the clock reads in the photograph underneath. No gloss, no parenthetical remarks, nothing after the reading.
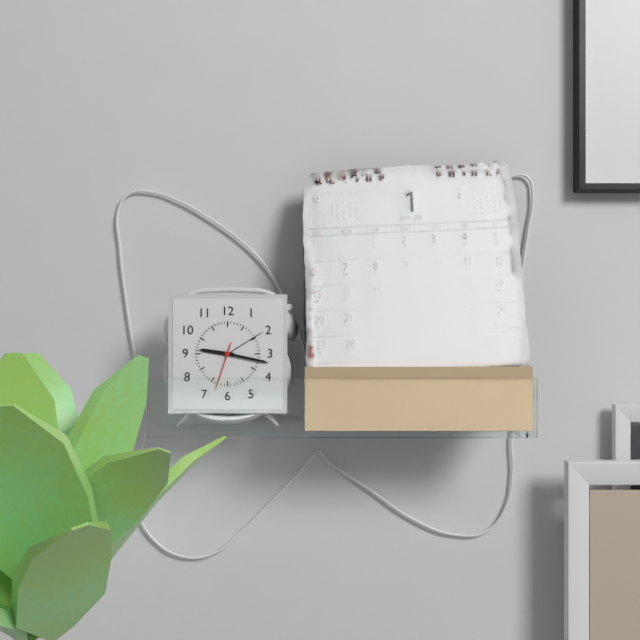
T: 9:17
